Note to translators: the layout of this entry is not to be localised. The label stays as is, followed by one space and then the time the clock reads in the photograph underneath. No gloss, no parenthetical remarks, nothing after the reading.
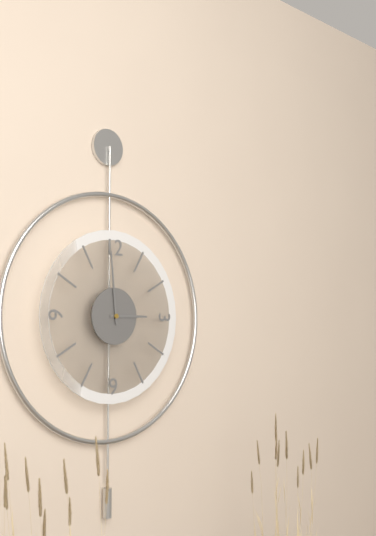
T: 2:59
